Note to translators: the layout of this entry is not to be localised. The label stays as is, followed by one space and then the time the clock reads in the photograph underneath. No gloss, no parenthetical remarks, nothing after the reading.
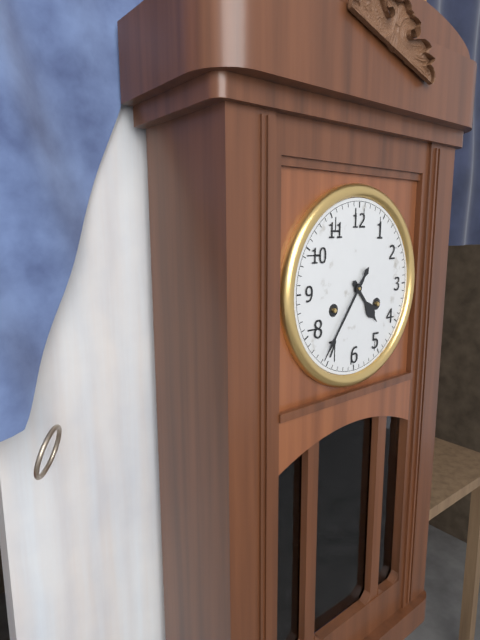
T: 4:36
